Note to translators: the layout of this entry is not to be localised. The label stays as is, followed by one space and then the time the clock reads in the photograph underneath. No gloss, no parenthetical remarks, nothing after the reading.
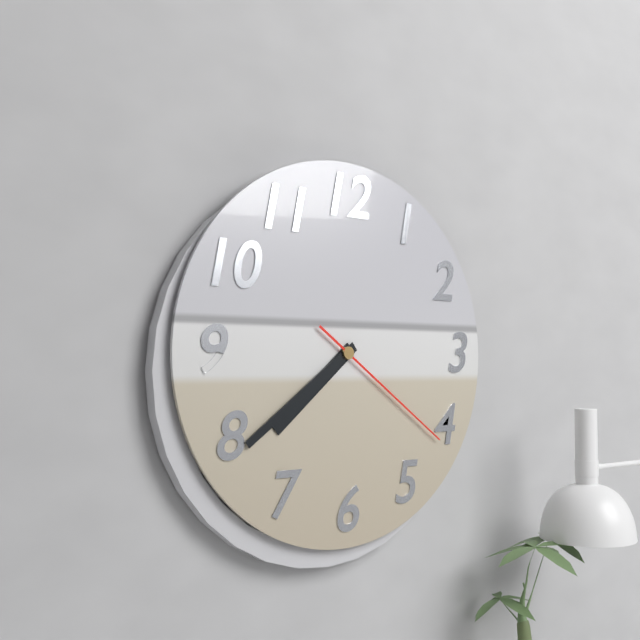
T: 7:39:21
